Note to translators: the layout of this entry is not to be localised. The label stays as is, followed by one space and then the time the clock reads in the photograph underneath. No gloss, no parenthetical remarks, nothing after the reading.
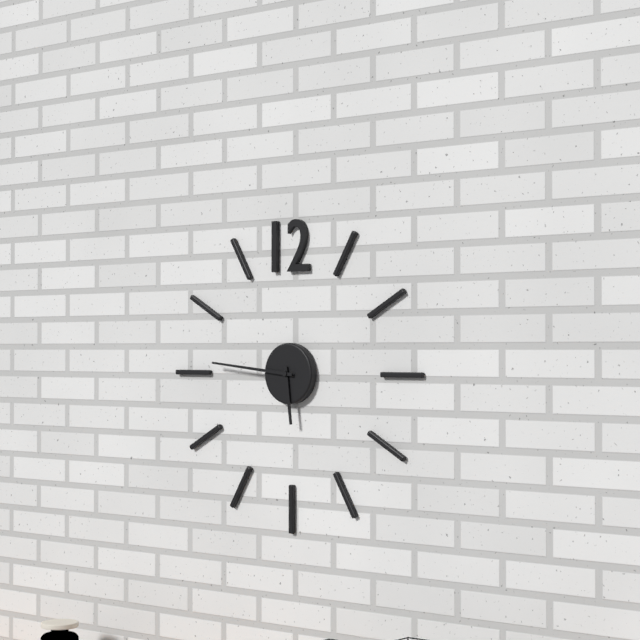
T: 5:46
